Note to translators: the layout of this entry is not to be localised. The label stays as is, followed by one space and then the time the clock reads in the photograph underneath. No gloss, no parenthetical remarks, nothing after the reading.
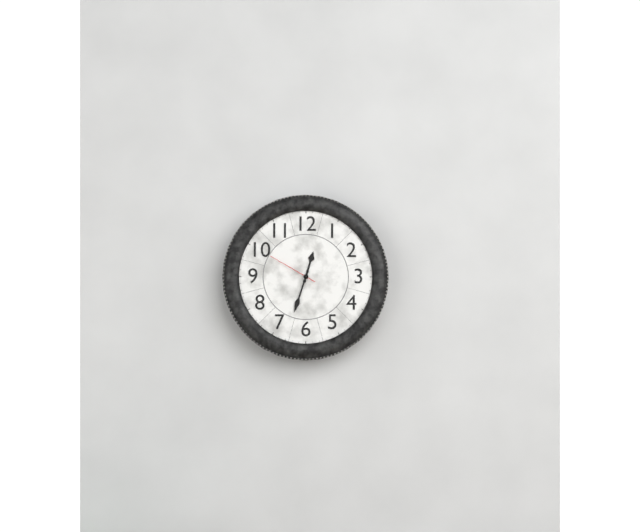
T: 12:33:50
